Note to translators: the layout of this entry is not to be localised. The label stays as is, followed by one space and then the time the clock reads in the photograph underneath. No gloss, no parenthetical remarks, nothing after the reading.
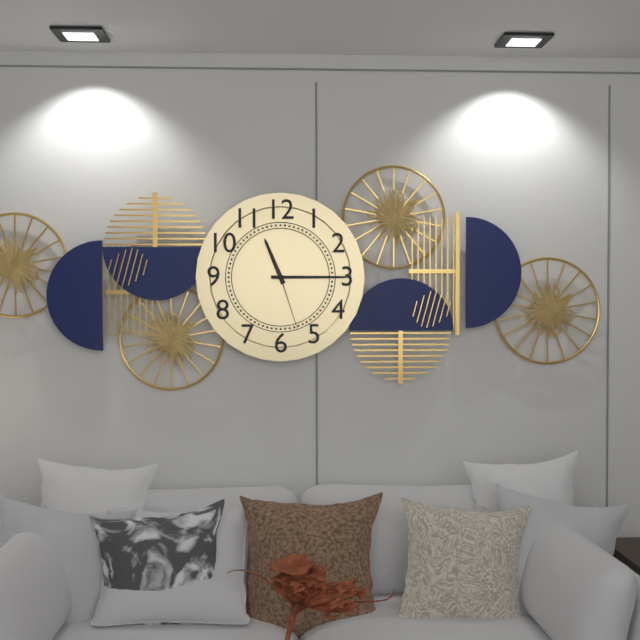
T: 11:15:27
